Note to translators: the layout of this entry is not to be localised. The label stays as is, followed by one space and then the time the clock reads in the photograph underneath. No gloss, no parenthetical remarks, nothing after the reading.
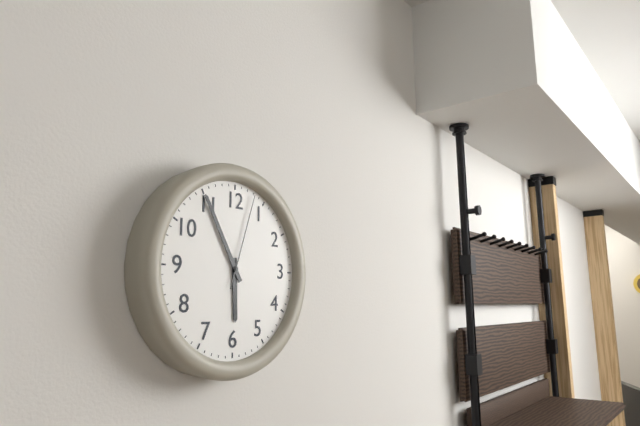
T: 5:55:03
